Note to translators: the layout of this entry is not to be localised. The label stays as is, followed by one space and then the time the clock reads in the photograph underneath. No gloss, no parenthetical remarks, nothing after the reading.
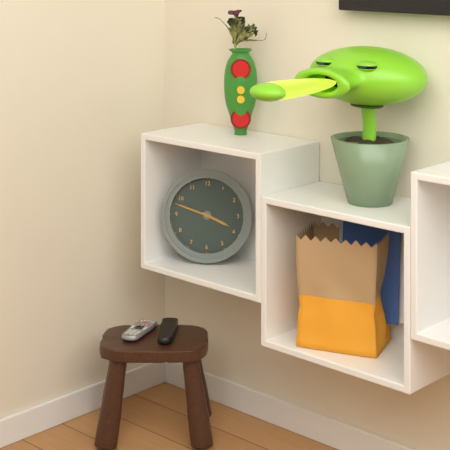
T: 3:48
